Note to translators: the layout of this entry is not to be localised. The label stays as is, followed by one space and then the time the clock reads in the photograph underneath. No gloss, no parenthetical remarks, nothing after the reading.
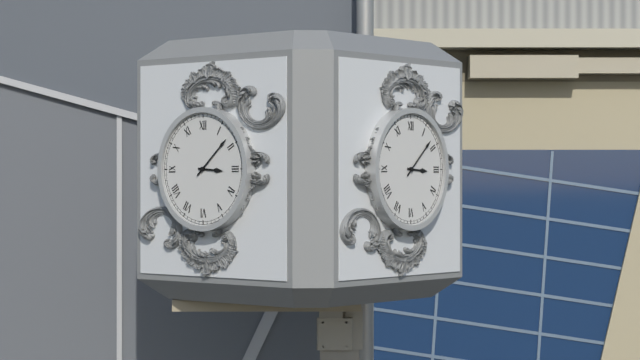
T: 3:08
